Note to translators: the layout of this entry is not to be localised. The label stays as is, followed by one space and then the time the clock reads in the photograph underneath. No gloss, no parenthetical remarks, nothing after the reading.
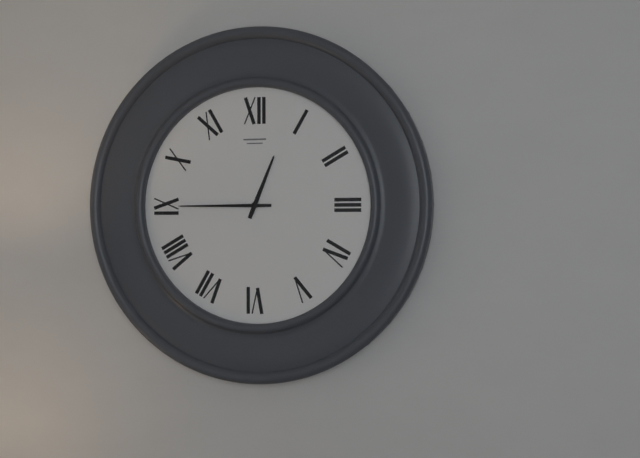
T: 12:45
